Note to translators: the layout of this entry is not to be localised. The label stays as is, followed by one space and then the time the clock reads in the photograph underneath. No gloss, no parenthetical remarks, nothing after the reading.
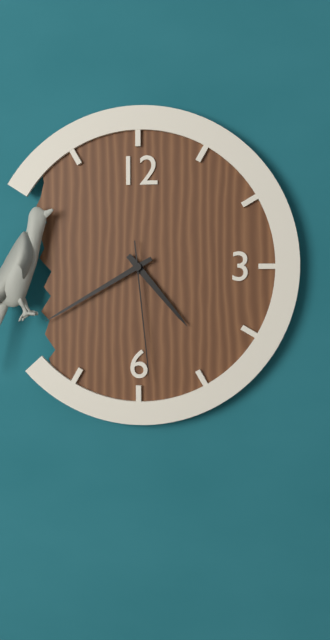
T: 4:40:29
